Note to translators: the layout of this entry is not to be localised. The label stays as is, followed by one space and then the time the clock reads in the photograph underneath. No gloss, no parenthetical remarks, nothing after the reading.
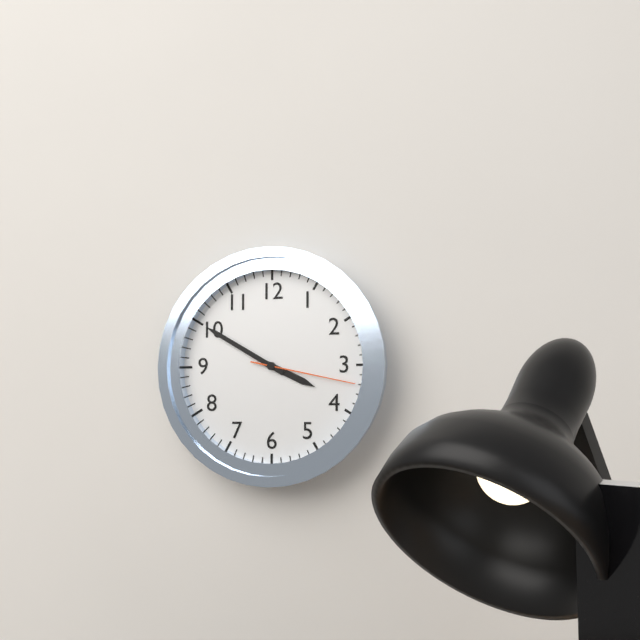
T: 3:50:17
